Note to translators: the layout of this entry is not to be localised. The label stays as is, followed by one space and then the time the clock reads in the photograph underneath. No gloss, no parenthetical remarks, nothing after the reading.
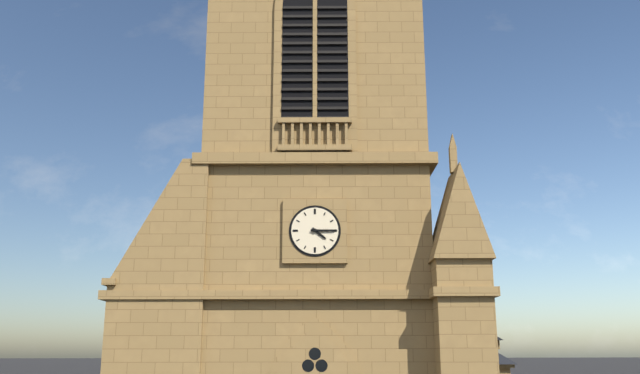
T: 4:15
